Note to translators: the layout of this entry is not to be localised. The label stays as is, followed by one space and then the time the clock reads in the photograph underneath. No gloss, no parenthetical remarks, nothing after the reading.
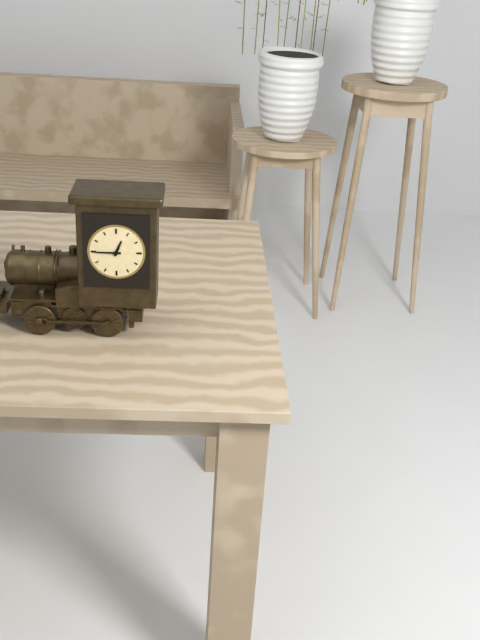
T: 12:45
